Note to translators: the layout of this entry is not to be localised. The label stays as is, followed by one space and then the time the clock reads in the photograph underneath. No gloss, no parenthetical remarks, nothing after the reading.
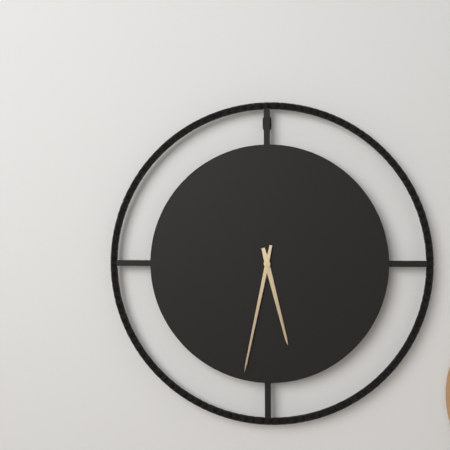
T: 5:32
